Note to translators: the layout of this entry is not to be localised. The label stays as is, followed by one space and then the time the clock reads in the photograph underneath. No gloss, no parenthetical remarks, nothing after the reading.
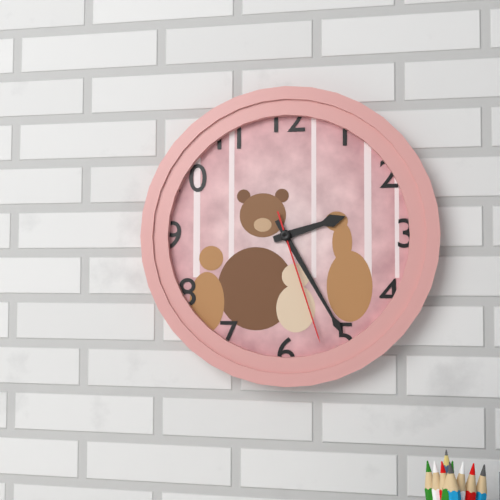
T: 2:25:27
